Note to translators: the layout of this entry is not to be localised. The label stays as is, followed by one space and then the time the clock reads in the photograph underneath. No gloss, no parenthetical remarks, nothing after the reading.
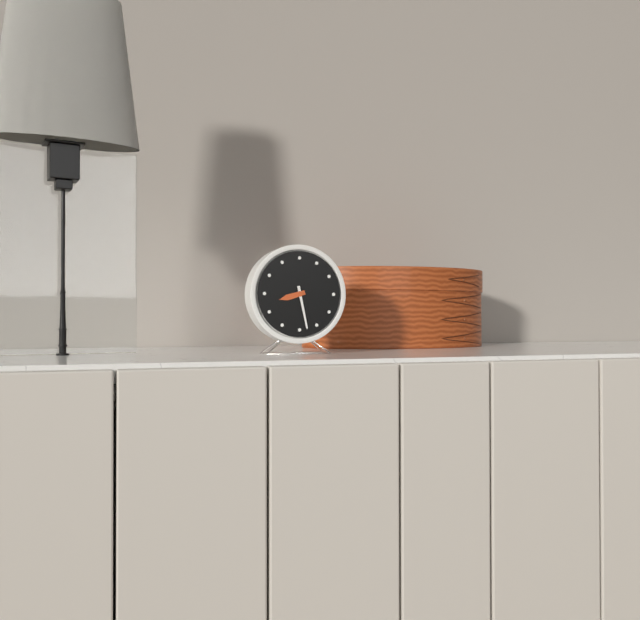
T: 8:28
